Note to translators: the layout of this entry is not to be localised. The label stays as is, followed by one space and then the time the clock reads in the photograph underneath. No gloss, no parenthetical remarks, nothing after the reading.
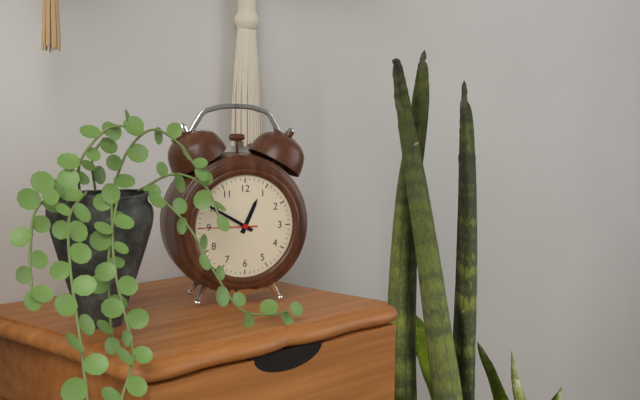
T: 12:50:45
